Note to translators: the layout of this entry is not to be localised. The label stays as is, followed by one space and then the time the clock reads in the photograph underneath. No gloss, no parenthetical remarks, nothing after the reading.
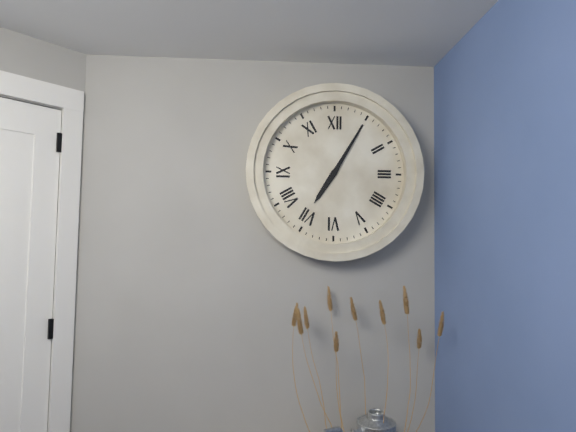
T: 7:05
